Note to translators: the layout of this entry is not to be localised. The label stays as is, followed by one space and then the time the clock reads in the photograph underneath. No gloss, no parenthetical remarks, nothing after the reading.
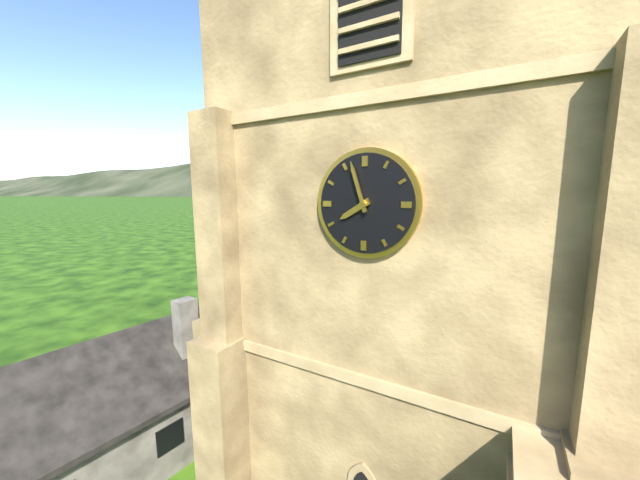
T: 7:57
